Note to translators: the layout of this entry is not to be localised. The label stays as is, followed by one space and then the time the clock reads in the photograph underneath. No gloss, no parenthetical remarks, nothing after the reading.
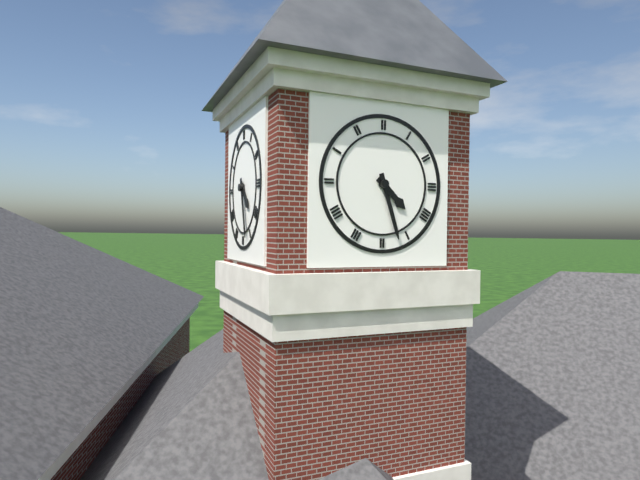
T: 4:27
